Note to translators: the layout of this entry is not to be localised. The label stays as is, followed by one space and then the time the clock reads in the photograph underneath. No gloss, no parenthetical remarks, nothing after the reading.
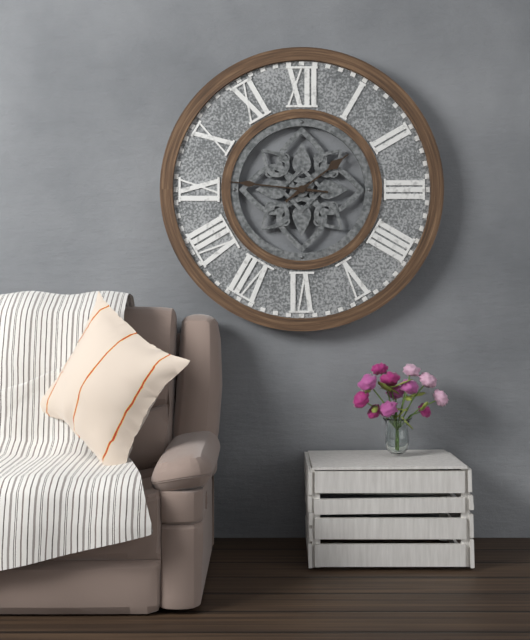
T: 1:46
